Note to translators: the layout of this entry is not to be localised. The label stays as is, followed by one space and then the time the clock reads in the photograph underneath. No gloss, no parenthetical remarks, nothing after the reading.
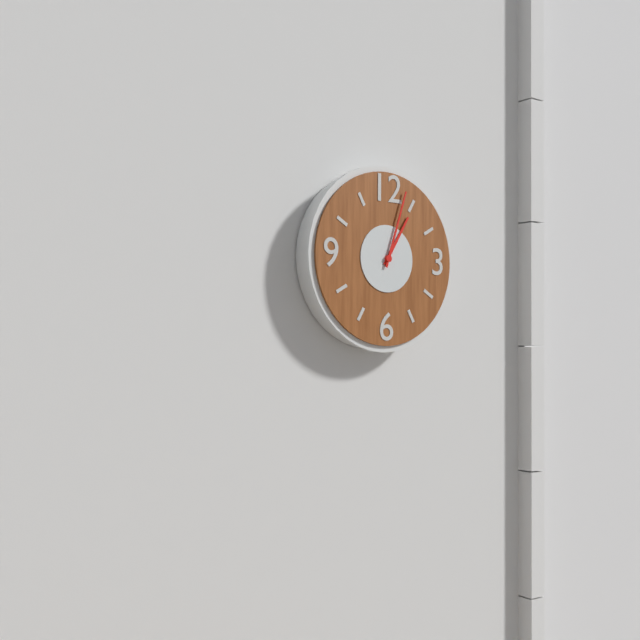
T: 1:03
